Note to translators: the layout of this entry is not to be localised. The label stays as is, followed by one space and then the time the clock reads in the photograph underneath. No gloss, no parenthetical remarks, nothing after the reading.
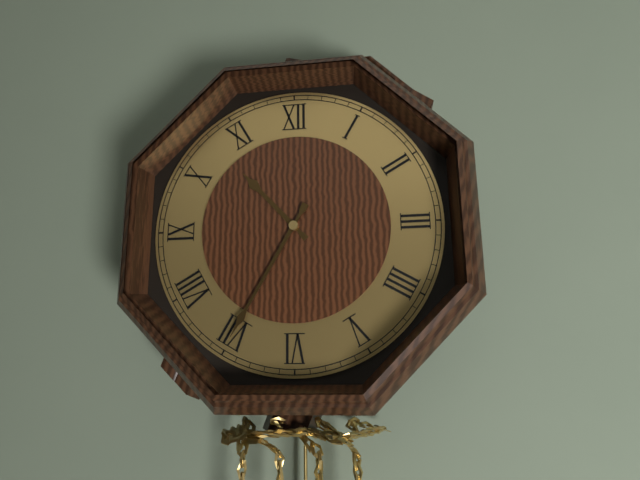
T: 10:35
